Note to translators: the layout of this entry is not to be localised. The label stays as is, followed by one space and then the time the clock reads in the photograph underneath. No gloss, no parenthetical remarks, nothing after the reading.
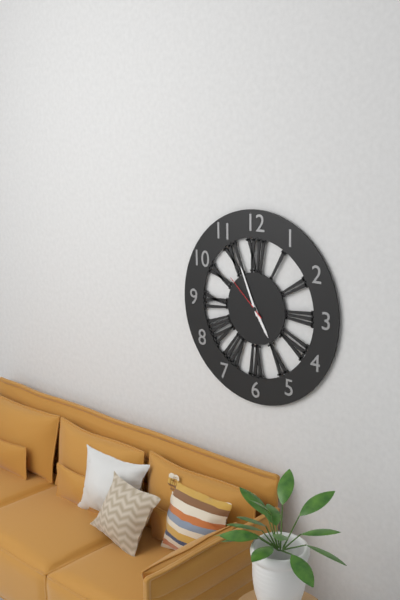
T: 4:56:52
